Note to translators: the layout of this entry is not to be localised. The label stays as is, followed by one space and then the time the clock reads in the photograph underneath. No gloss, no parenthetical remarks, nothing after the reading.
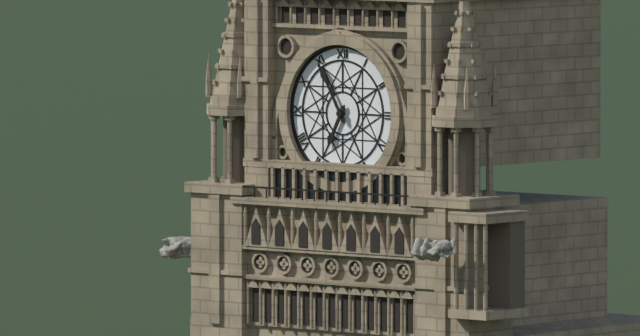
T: 6:55
